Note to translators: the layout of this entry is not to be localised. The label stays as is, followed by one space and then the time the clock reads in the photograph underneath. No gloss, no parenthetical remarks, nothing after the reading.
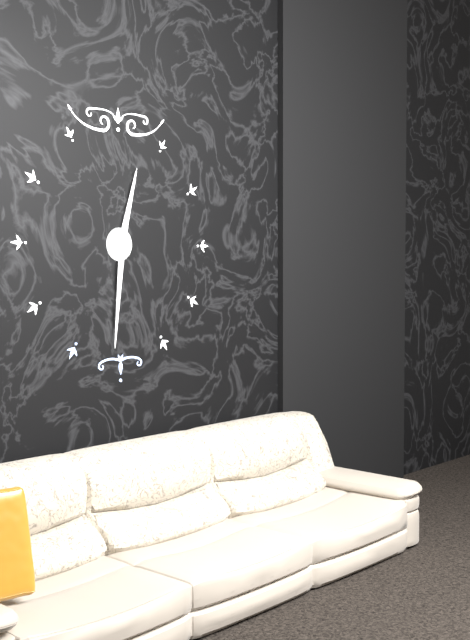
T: 12:31
